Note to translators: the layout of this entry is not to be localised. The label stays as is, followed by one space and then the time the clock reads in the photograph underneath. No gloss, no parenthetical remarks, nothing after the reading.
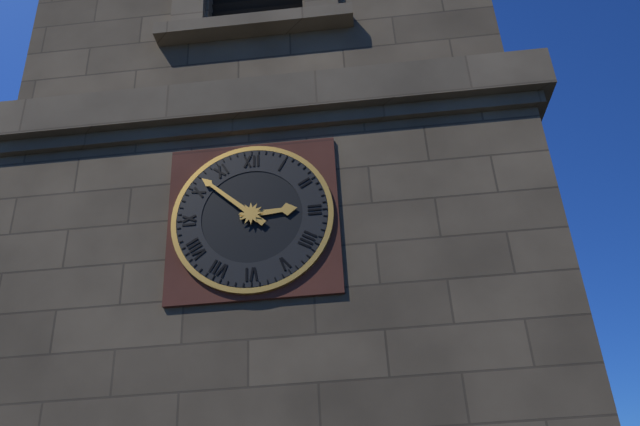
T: 2:52
